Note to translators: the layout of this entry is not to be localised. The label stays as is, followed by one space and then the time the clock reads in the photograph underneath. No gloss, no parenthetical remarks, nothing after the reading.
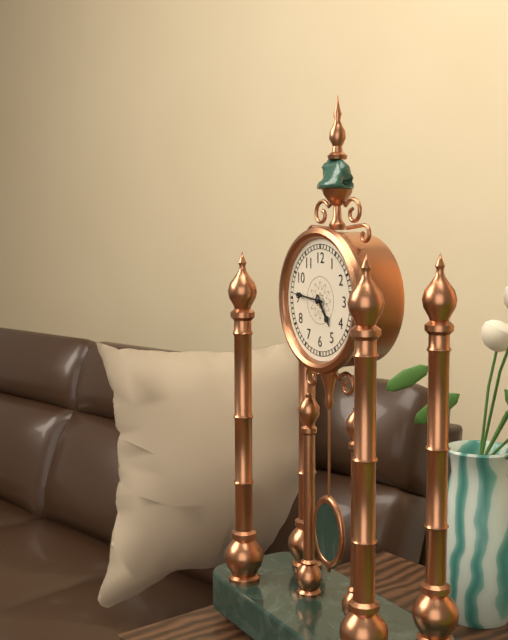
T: 4:46
